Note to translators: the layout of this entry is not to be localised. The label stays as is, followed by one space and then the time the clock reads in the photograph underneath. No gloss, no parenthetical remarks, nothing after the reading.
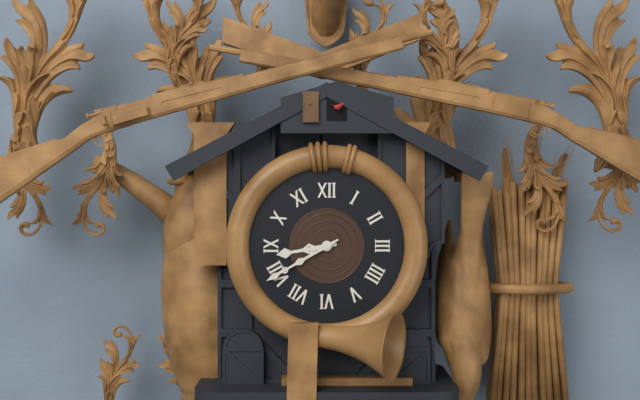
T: 8:40
